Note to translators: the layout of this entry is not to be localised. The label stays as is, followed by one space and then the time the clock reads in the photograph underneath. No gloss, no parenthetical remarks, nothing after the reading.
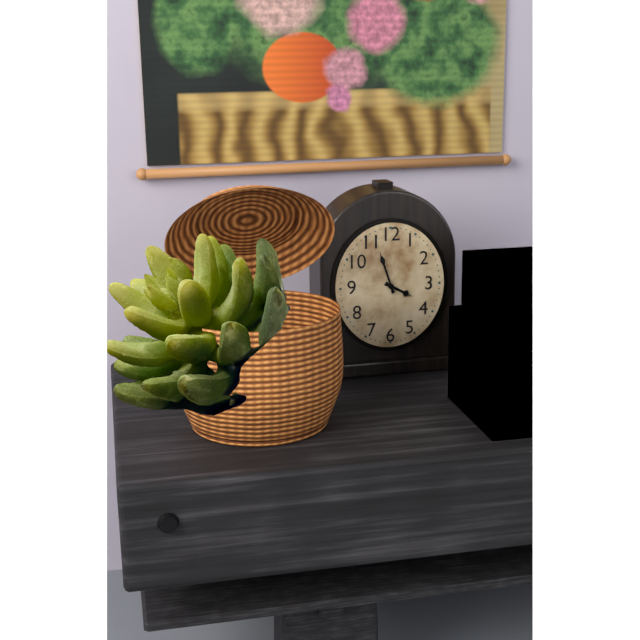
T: 3:57
